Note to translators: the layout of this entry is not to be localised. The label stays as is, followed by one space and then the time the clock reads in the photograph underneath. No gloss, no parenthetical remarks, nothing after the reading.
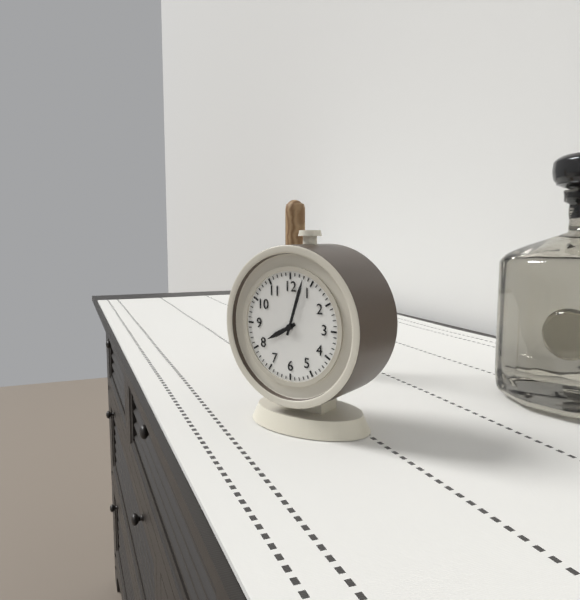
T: 8:03
